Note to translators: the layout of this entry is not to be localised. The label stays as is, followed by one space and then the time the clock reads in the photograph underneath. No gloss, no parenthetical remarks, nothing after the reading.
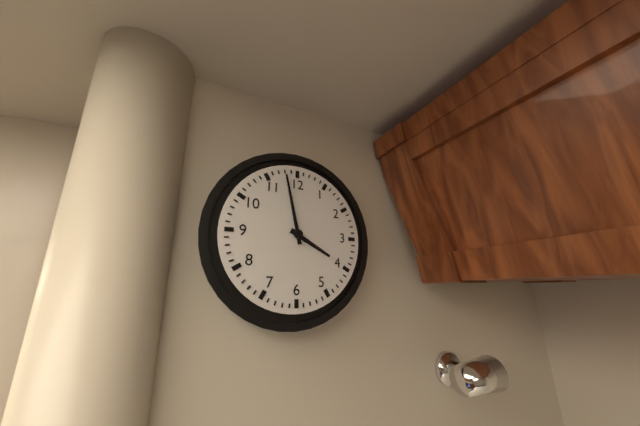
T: 3:58
